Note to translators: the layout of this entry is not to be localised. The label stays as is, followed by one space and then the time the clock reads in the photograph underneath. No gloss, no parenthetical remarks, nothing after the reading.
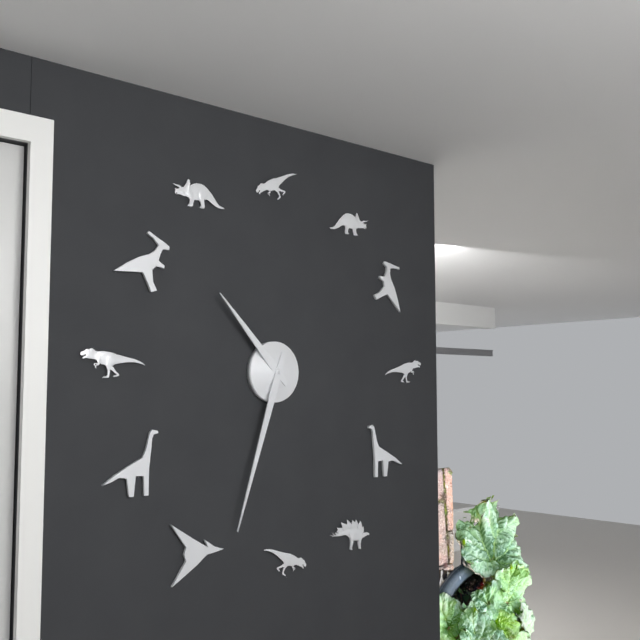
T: 10:33
